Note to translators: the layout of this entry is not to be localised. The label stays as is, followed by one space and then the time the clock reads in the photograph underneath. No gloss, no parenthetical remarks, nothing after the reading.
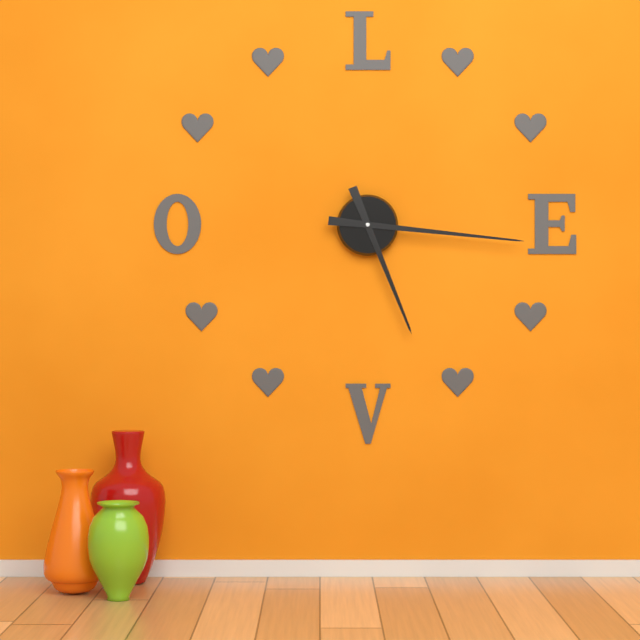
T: 5:16
